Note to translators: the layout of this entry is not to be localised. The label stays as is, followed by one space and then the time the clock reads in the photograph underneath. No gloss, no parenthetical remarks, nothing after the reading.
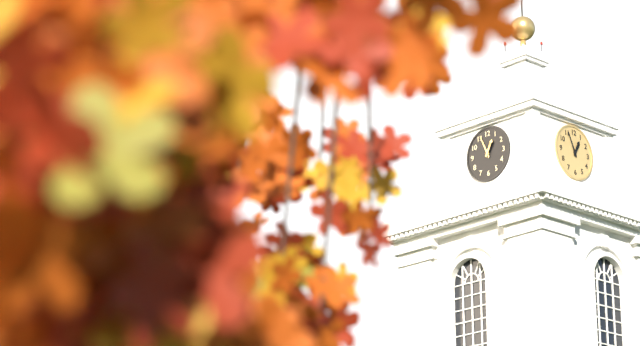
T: 12:56
